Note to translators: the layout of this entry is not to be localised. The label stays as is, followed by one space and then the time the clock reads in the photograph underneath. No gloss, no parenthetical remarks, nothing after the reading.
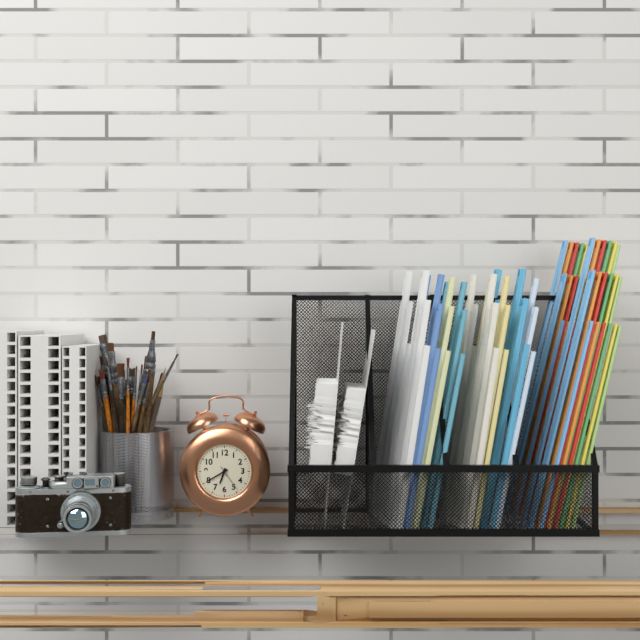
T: 6:40
